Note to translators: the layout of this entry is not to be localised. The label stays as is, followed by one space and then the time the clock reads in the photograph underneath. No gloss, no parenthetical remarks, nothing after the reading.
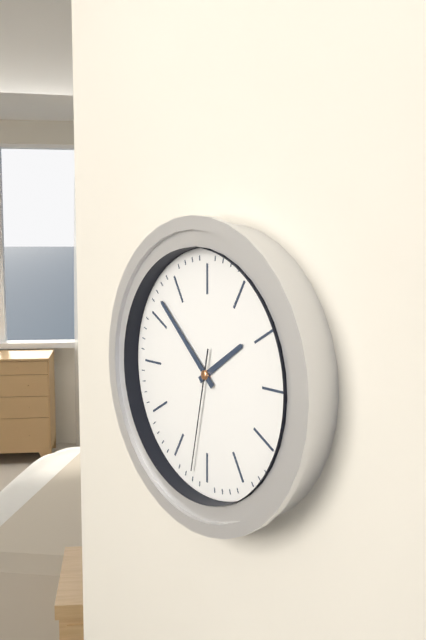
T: 1:52:32
